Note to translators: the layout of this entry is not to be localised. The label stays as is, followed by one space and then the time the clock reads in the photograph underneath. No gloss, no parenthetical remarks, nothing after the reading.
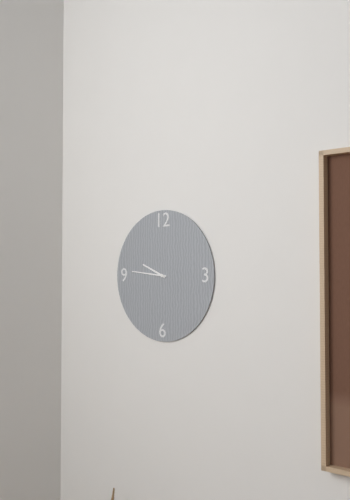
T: 9:46
